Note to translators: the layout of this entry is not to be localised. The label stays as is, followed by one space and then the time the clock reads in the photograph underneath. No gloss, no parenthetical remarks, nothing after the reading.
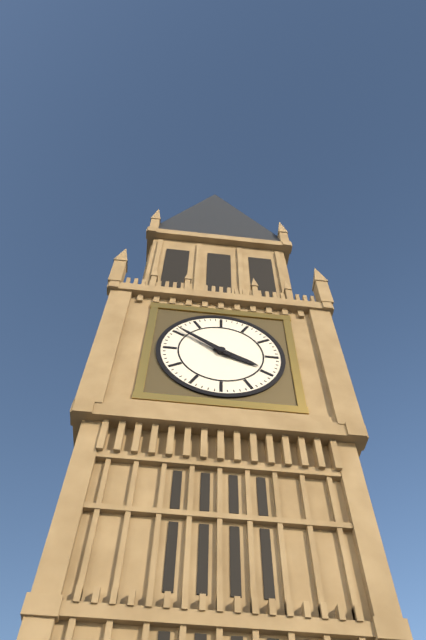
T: 3:51
